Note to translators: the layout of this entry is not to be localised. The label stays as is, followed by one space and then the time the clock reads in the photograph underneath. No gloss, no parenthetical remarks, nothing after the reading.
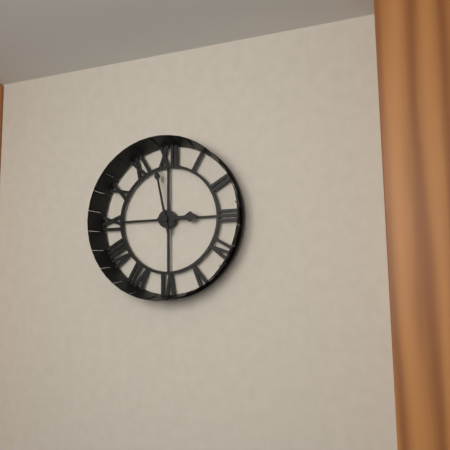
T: 2:58
